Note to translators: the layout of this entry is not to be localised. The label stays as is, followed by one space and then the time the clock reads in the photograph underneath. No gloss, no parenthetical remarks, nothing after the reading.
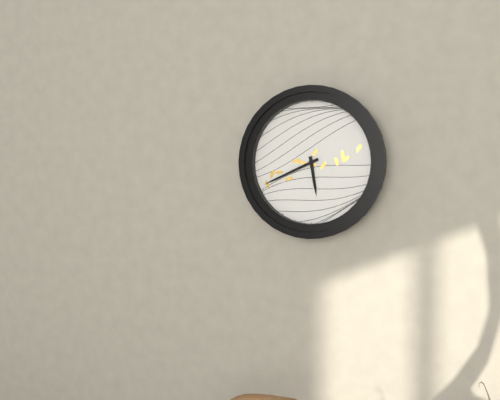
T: 5:41
